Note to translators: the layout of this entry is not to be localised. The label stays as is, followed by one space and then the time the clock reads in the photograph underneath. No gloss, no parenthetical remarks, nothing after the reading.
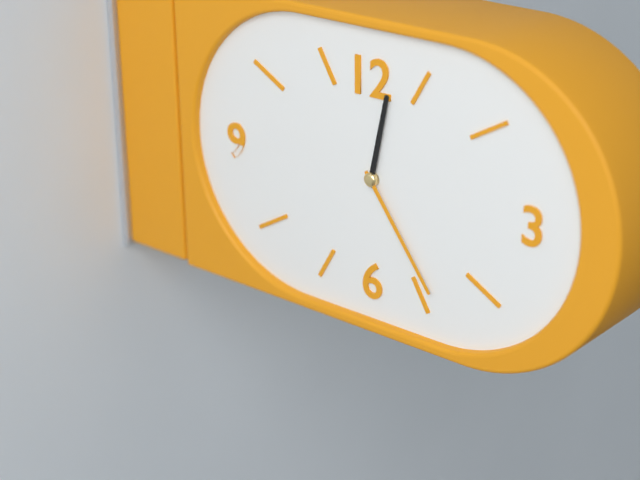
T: 12:24
